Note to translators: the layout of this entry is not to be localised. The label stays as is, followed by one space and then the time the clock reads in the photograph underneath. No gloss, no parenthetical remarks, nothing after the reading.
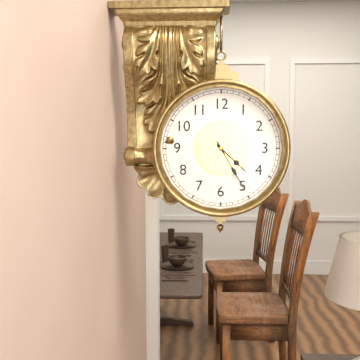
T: 4:25
